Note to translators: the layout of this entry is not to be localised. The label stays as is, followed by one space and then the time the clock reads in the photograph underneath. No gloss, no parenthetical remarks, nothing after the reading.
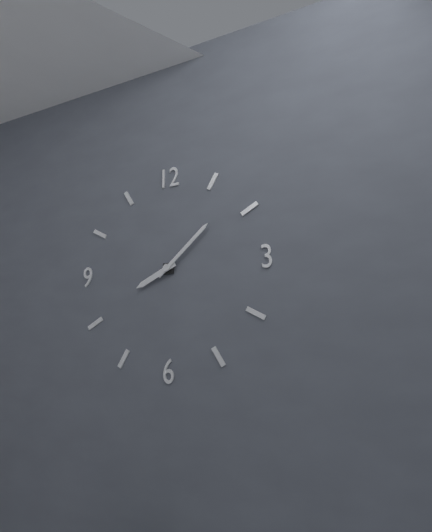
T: 8:08
